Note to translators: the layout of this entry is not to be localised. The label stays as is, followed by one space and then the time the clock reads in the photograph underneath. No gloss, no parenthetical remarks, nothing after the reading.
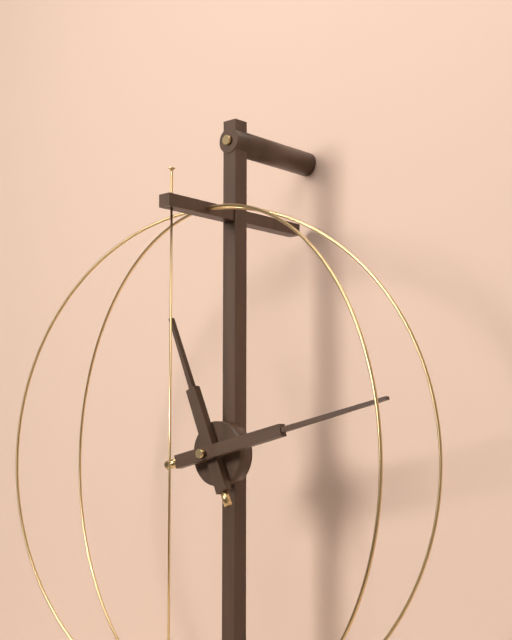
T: 11:13
